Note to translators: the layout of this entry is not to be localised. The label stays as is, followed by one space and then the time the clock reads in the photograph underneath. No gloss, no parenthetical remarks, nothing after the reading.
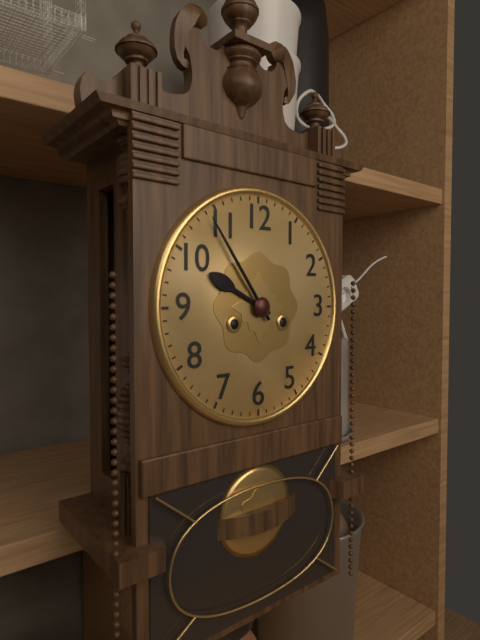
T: 9:54
